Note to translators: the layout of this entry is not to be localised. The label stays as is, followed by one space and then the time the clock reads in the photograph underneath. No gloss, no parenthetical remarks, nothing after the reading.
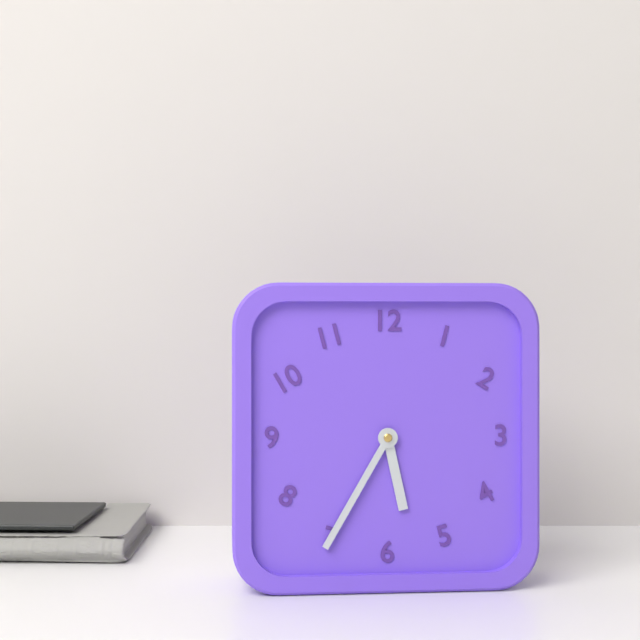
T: 5:35
